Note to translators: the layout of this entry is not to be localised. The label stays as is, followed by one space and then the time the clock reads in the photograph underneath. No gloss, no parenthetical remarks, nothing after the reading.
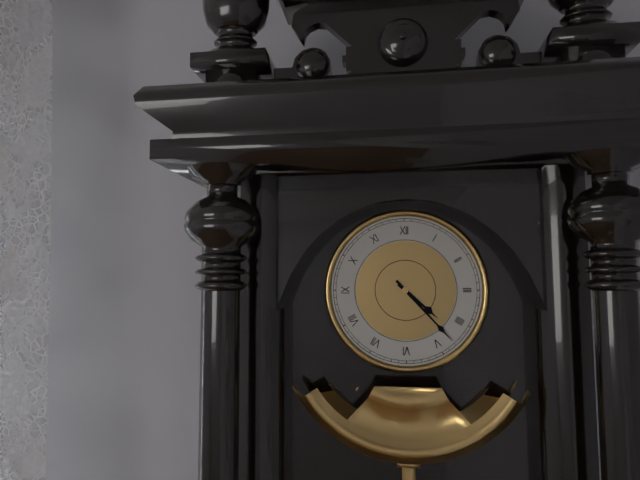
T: 4:23
